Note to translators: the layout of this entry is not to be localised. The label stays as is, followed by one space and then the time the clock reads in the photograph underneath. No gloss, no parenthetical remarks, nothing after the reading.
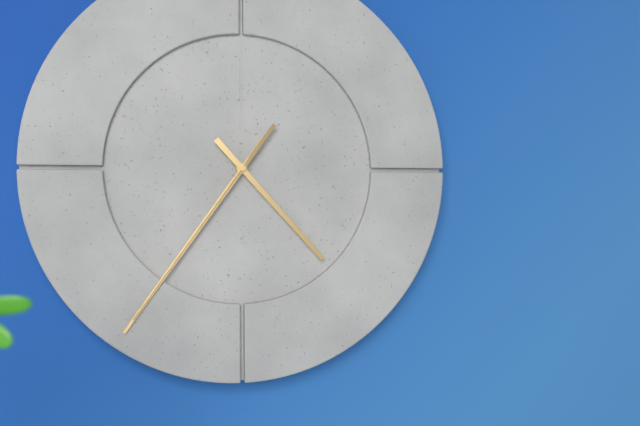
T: 4:36:36
